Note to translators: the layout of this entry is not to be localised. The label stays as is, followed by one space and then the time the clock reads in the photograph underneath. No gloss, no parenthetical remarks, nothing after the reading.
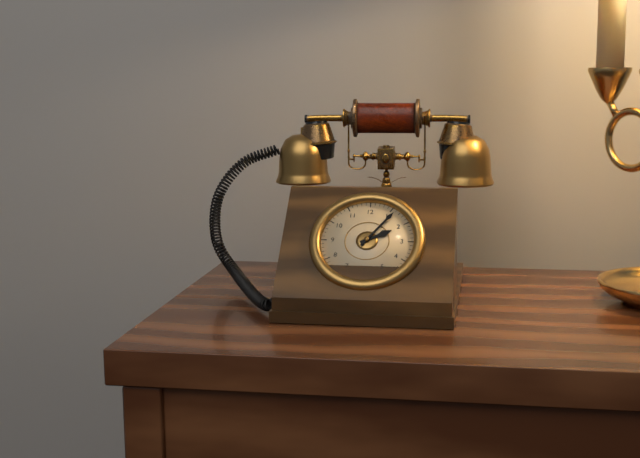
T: 2:06
